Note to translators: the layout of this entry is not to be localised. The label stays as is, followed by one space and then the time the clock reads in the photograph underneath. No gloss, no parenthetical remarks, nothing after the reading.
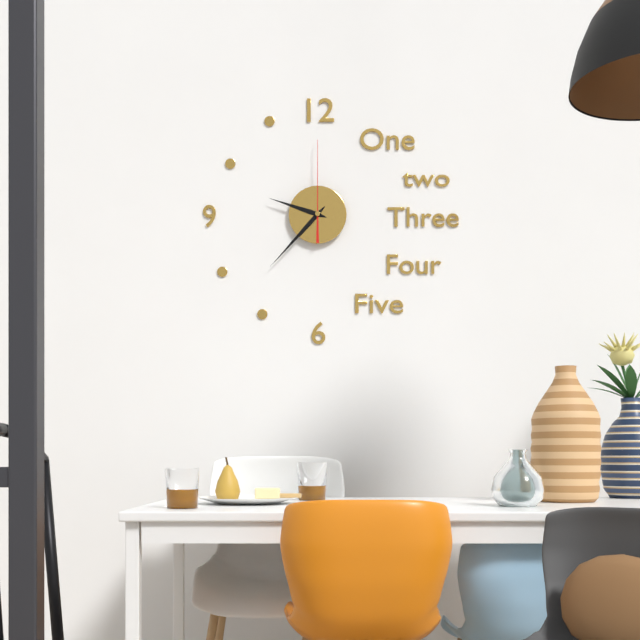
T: 9:37:00
